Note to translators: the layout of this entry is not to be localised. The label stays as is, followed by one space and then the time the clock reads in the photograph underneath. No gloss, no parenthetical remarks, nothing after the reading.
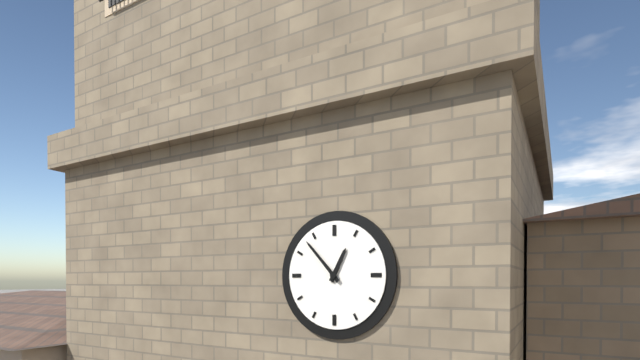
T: 12:53
